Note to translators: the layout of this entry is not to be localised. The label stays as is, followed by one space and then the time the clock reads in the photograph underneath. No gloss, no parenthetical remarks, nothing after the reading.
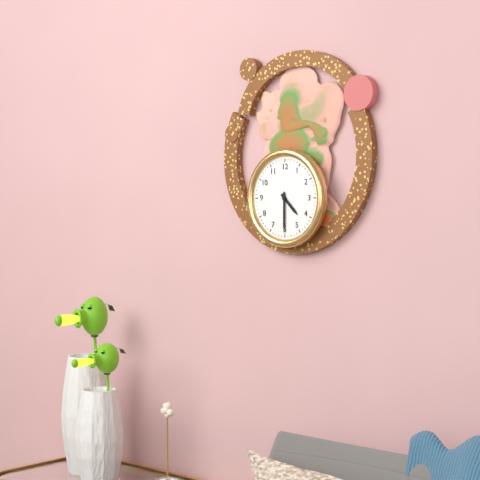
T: 4:30
